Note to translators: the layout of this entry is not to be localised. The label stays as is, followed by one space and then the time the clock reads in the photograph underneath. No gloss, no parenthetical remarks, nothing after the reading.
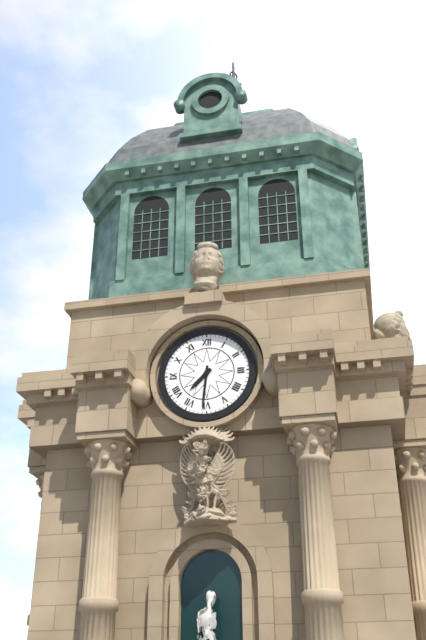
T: 7:31
